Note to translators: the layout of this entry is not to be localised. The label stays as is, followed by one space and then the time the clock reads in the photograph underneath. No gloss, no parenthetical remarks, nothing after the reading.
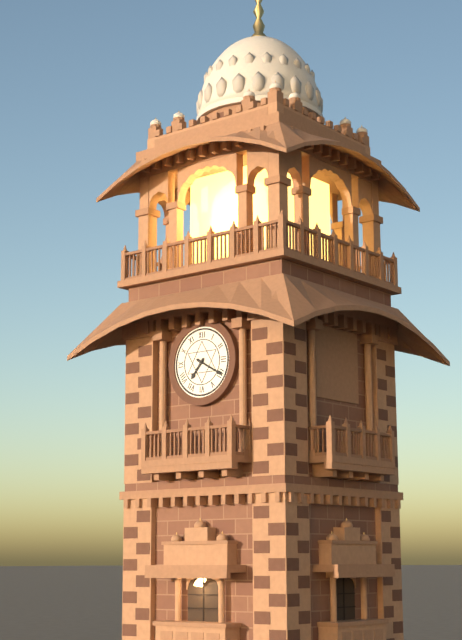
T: 7:20
